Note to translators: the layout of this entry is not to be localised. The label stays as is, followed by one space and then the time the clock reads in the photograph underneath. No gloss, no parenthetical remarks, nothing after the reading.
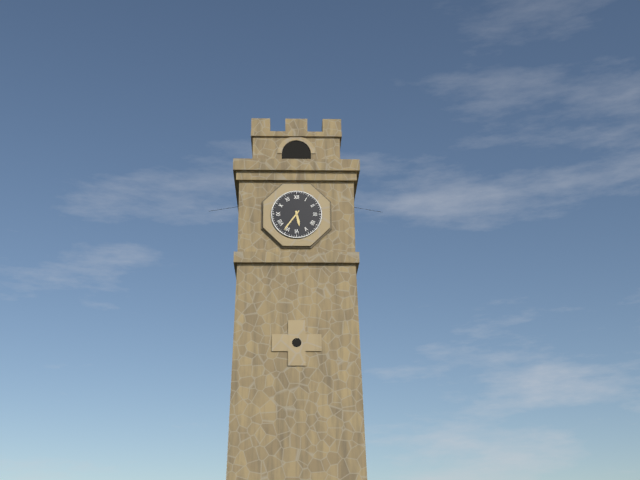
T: 5:36
